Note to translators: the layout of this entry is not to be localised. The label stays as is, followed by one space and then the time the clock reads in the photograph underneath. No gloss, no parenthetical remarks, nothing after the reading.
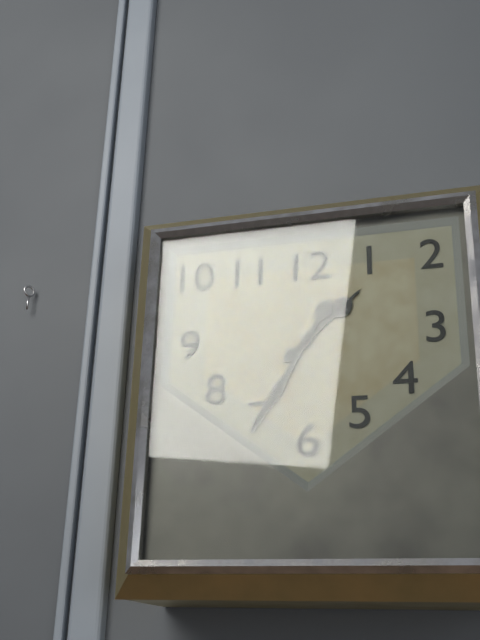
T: 1:35
